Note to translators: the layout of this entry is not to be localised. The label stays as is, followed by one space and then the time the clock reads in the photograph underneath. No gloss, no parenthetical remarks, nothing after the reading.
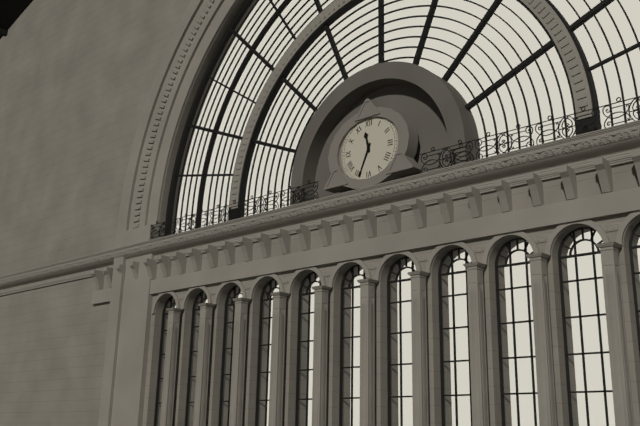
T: 11:34
